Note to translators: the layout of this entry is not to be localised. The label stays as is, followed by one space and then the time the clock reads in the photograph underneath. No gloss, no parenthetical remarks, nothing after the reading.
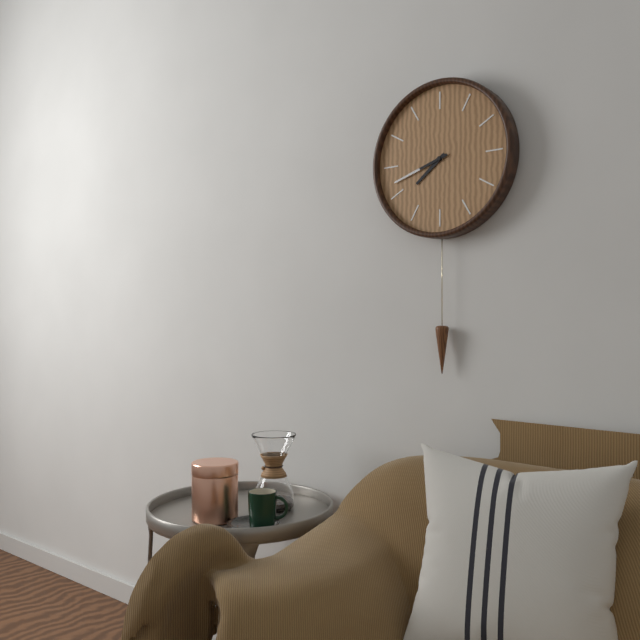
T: 7:42
